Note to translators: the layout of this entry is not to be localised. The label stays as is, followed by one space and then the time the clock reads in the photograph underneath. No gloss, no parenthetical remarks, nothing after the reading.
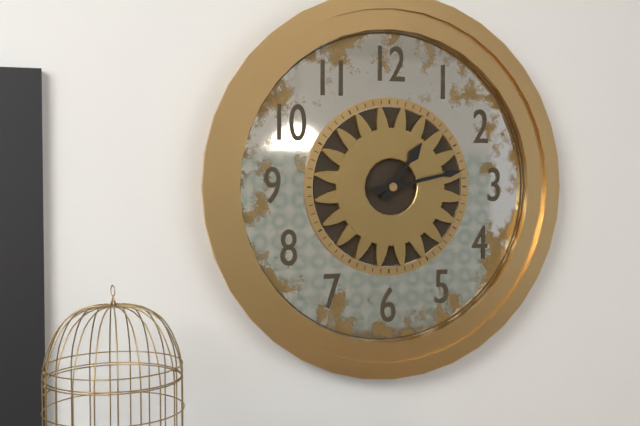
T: 1:13
